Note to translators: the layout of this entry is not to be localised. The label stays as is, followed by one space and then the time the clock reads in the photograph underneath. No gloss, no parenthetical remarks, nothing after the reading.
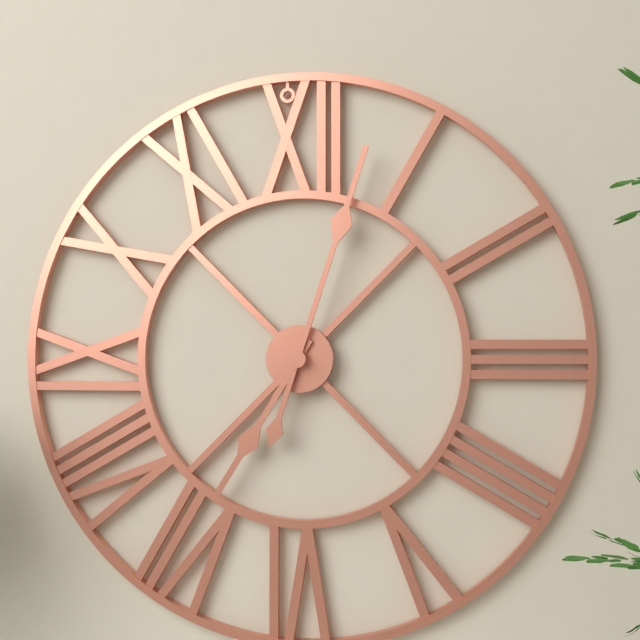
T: 7:03
